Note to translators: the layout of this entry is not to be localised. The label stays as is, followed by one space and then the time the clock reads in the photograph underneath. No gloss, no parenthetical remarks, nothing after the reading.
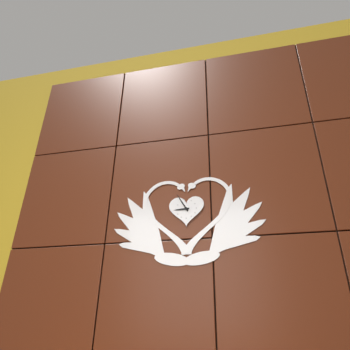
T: 8:55
